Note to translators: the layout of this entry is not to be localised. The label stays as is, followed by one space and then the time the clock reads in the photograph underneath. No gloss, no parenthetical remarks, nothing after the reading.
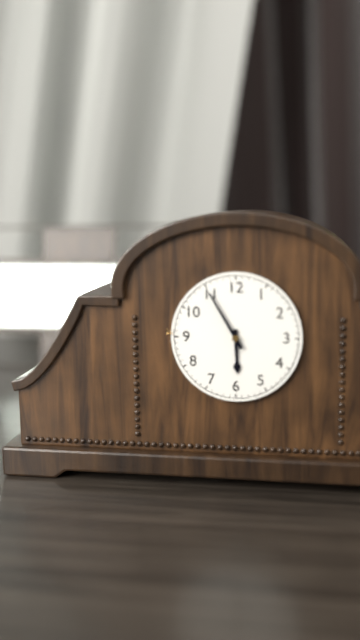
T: 5:55
